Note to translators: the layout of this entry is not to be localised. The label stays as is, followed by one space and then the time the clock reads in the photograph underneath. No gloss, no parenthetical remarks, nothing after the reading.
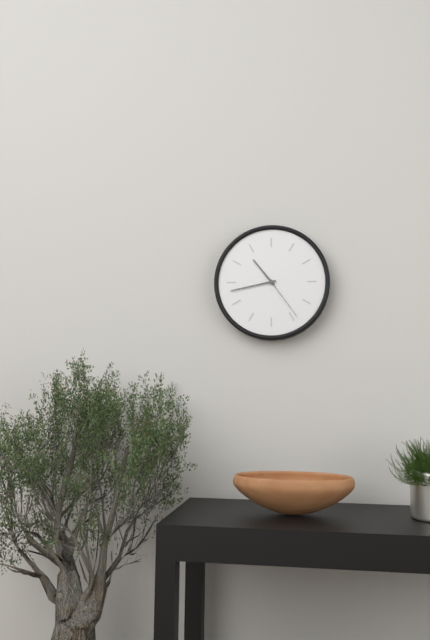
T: 10:43:24
